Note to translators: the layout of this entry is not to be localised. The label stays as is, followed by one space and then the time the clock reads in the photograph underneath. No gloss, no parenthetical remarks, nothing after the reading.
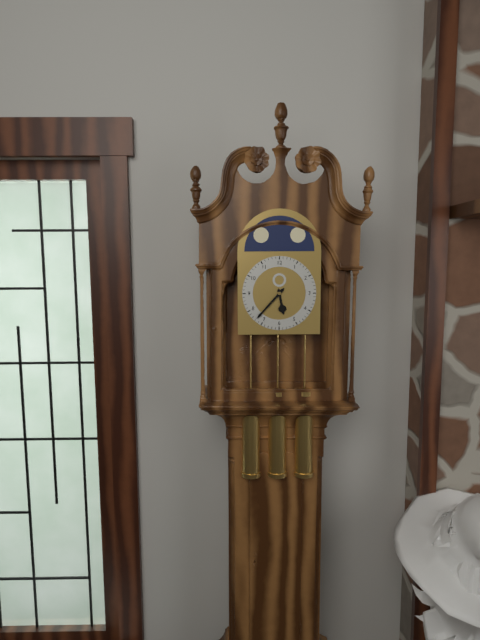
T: 5:37
